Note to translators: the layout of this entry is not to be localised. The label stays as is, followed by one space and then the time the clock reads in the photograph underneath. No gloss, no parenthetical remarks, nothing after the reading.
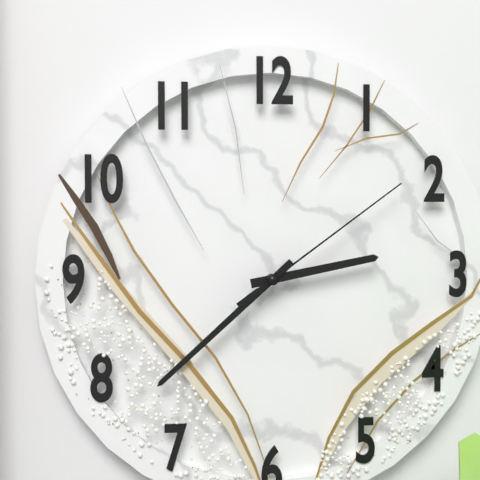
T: 2:38:09
